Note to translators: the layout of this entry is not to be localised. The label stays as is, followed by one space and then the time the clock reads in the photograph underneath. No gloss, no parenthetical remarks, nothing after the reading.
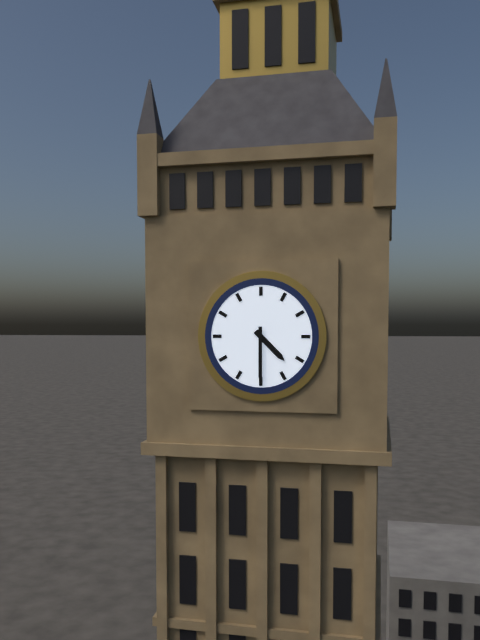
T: 4:30
